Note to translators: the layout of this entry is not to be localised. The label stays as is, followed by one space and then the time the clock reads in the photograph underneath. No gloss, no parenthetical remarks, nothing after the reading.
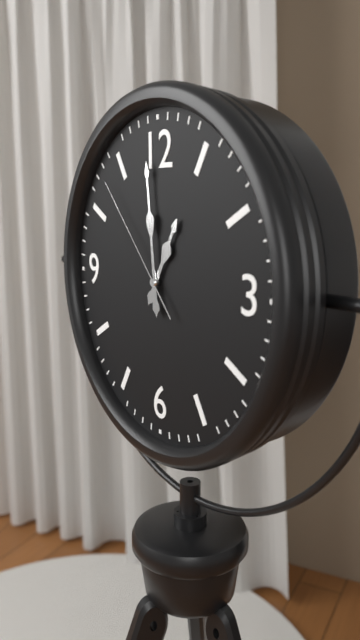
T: 12:59:53
